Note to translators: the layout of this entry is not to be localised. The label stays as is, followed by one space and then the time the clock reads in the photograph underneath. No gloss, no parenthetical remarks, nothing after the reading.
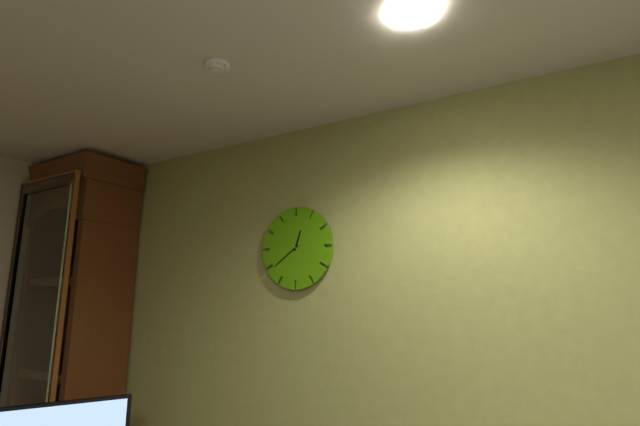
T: 12:39
